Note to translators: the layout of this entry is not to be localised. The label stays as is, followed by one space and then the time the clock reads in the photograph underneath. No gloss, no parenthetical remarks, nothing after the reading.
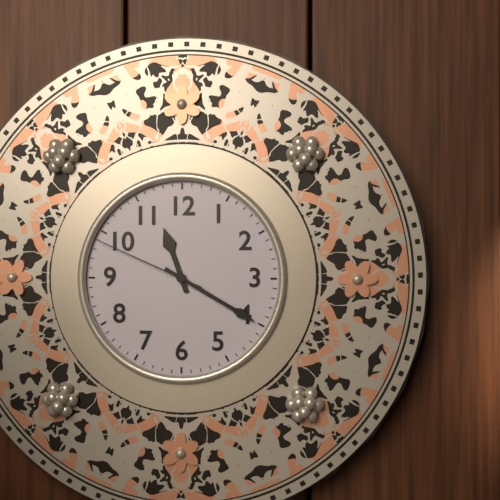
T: 11:20:49
